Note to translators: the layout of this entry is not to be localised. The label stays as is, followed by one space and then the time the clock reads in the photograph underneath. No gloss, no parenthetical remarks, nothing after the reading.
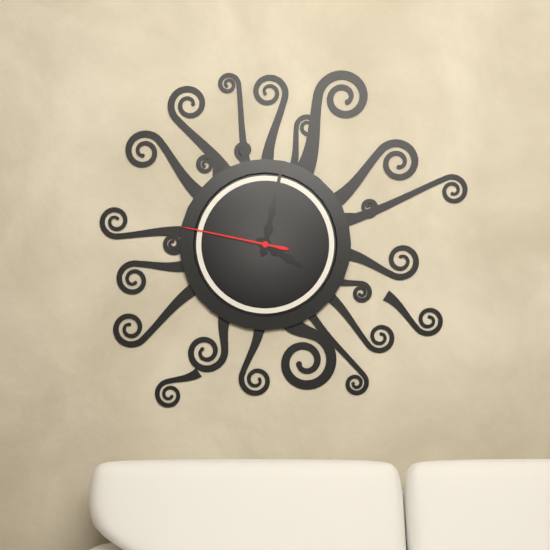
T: 4:02:47
